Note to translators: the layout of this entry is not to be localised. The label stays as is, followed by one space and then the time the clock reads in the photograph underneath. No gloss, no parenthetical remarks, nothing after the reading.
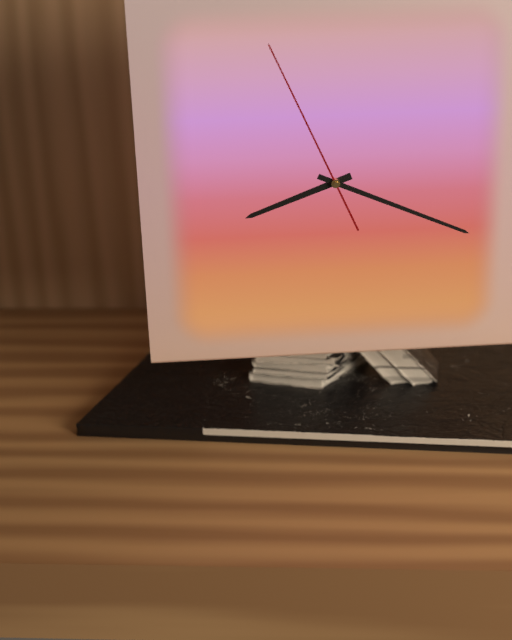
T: 8:19:56
